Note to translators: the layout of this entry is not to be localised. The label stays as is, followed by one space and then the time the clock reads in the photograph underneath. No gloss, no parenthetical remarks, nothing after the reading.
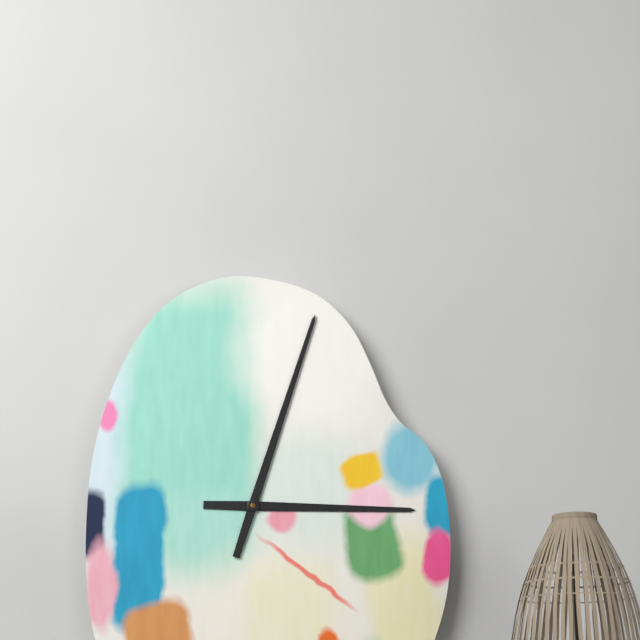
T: 3:03
